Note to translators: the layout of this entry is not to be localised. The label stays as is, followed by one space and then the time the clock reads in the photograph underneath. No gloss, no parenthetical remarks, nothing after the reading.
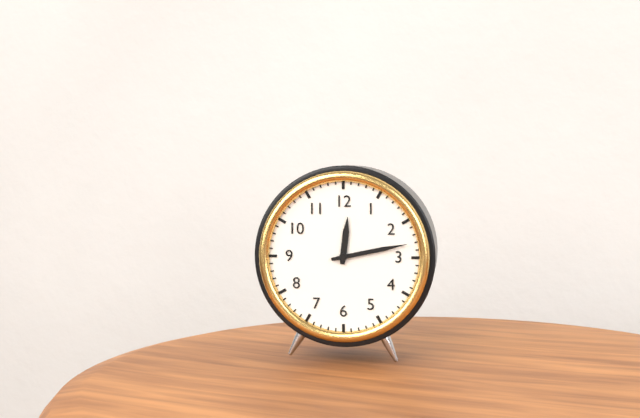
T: 12:13
